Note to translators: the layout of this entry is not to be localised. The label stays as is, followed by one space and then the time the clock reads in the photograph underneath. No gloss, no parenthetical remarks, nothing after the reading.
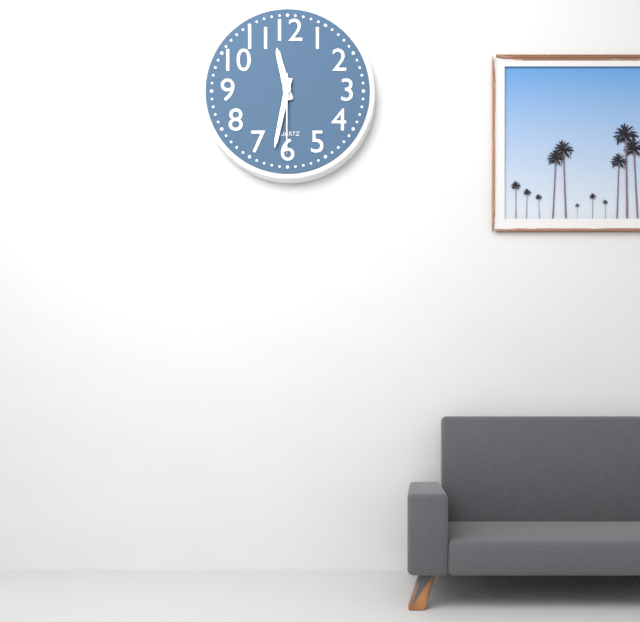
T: 11:32:30
